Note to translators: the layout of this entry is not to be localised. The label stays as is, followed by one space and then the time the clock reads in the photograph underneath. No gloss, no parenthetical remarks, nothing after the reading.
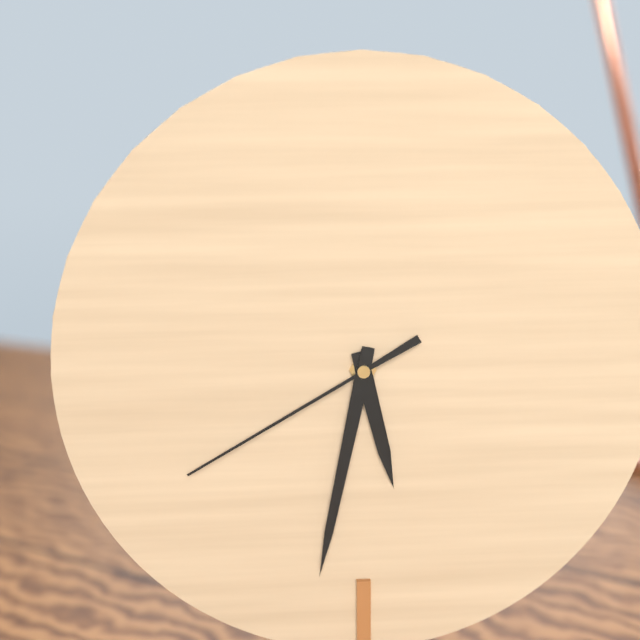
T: 5:32:40
